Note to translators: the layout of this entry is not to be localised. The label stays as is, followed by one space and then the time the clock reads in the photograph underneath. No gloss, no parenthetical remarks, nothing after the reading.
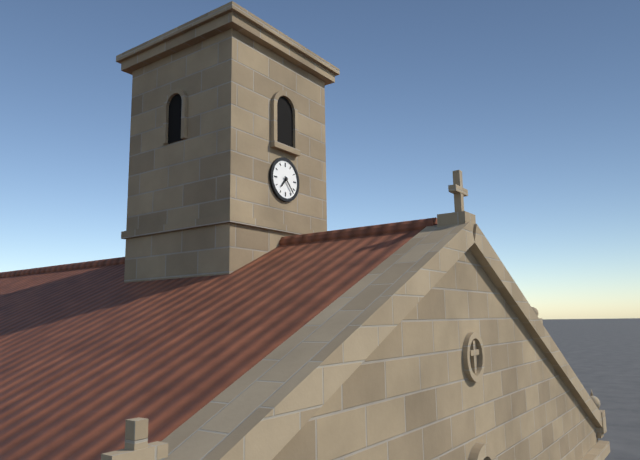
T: 7:23
